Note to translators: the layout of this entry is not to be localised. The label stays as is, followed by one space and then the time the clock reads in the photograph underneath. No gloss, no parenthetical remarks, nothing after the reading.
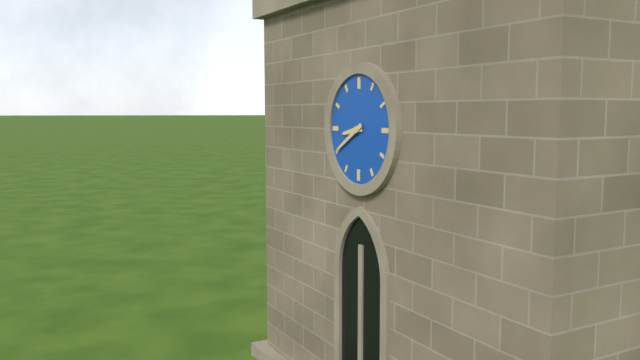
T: 8:40
